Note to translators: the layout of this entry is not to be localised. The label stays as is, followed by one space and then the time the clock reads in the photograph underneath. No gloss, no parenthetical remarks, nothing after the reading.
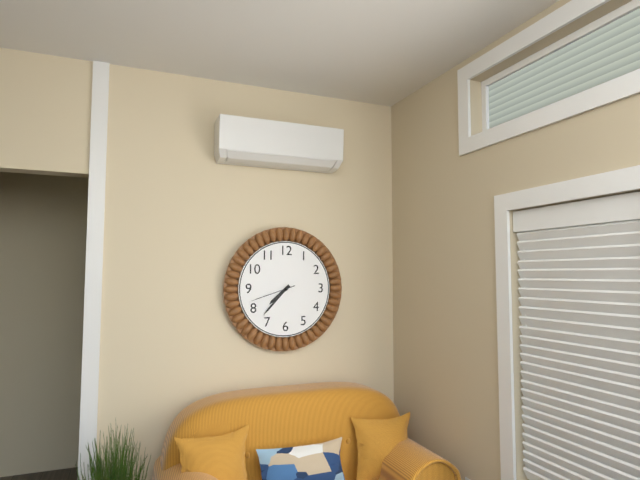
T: 7:37
